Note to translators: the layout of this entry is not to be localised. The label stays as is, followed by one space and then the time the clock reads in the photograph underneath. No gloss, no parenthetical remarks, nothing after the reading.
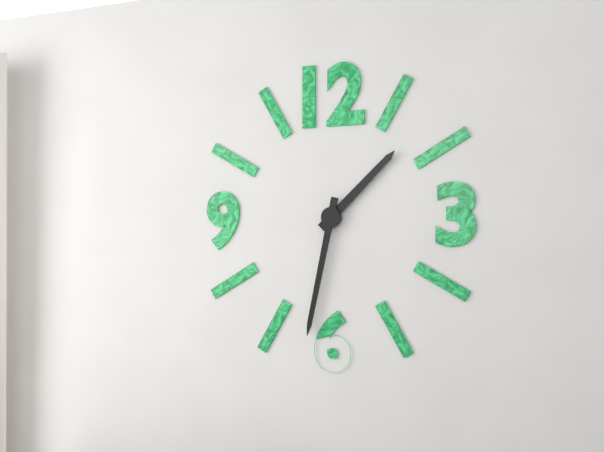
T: 1:32
